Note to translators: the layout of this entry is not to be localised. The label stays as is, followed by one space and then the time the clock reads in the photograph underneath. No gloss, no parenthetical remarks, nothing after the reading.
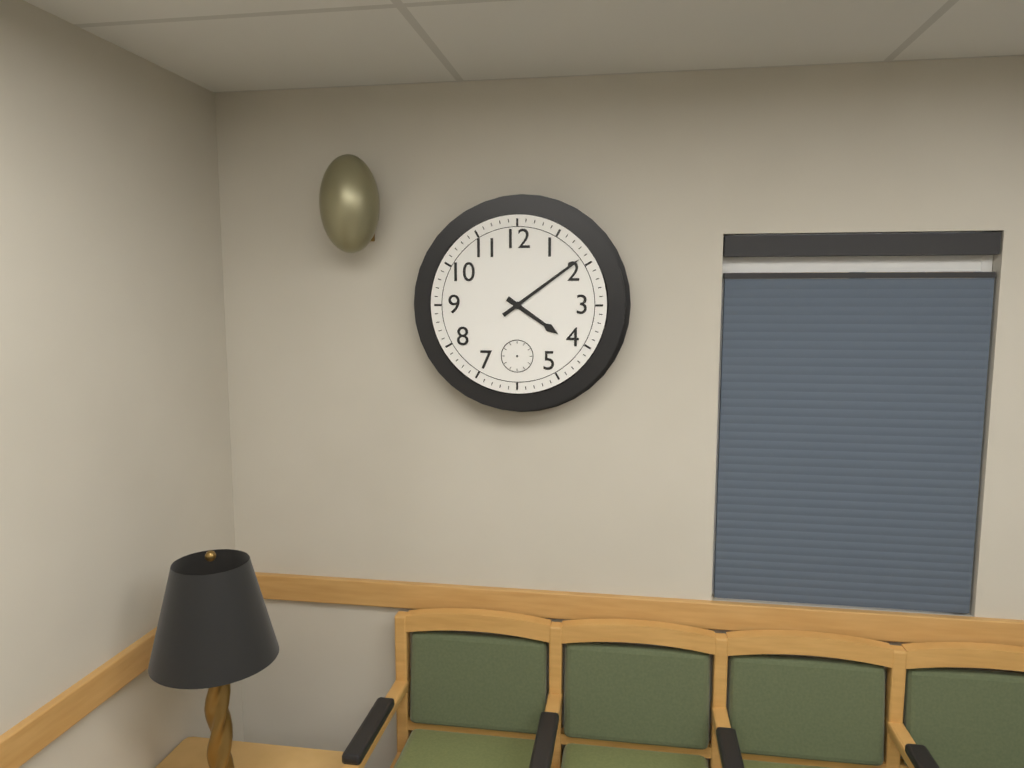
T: 4:09
